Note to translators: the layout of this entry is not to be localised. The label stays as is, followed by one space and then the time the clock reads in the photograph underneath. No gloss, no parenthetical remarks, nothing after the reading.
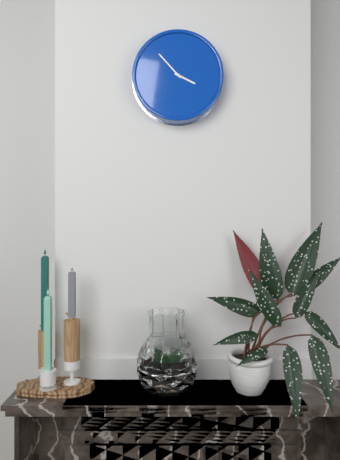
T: 3:53
